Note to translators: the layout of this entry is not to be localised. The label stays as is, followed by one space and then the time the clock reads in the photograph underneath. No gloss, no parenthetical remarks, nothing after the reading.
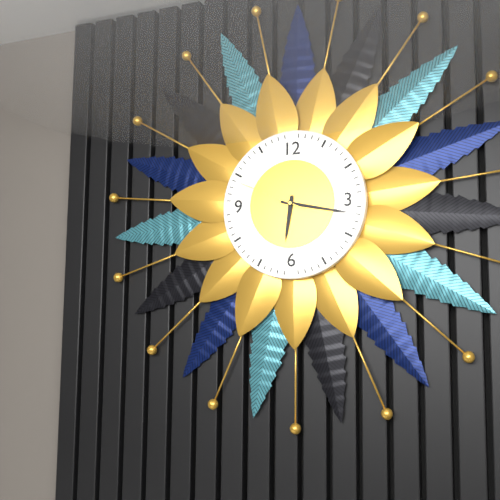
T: 6:17:49
